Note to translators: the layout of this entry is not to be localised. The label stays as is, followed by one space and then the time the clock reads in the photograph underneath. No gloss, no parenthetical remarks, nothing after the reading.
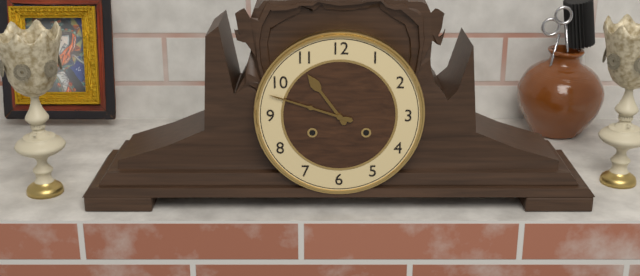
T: 10:48
